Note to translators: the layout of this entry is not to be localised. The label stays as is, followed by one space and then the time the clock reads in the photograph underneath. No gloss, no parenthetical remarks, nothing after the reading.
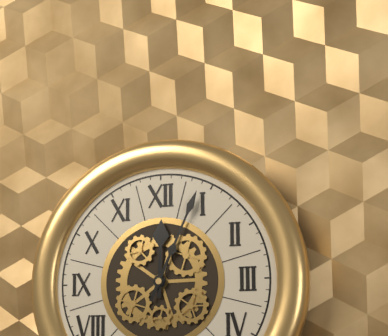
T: 12:04
